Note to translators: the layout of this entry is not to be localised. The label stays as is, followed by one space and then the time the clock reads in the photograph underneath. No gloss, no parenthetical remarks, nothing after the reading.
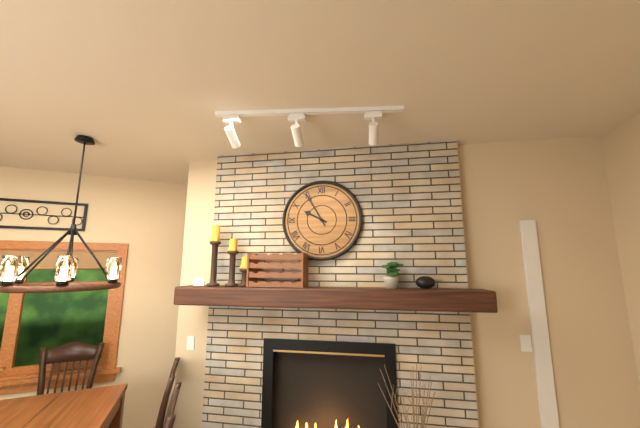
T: 9:55
